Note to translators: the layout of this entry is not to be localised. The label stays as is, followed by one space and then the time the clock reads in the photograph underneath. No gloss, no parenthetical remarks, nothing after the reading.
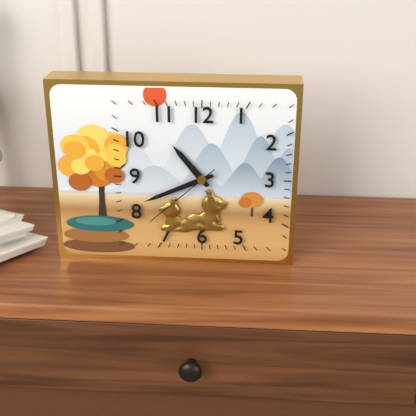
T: 10:41:38
